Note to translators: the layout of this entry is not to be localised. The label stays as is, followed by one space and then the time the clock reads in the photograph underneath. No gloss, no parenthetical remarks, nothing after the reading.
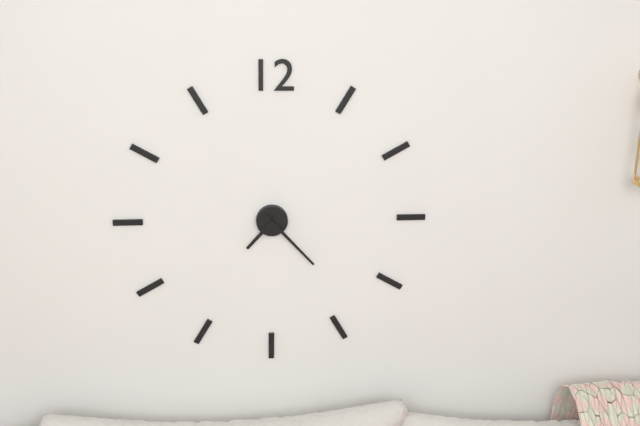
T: 7:23
